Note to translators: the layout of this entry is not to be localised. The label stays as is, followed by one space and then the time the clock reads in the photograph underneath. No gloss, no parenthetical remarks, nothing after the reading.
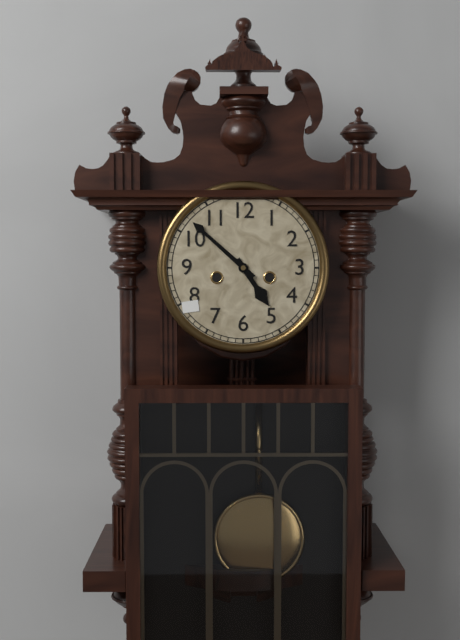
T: 4:52
